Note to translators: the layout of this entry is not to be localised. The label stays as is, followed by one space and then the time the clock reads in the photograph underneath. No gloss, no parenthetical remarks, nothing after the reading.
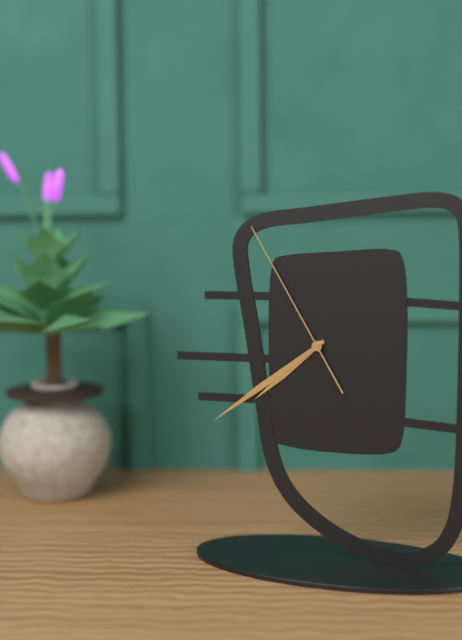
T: 7:39:55
